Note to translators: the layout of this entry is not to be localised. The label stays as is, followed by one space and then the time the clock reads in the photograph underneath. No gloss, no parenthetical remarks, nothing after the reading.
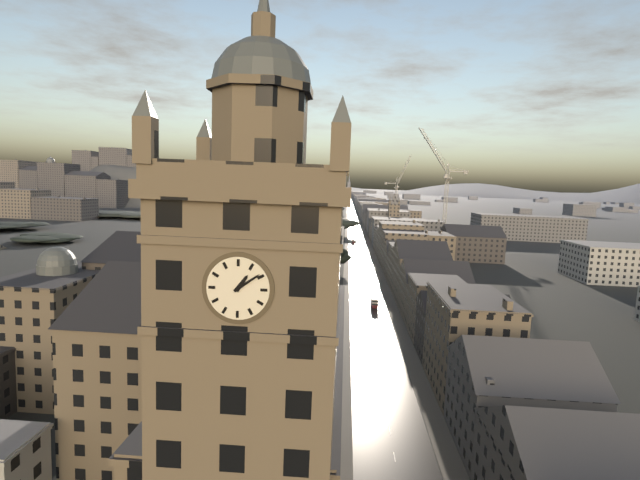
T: 1:09
